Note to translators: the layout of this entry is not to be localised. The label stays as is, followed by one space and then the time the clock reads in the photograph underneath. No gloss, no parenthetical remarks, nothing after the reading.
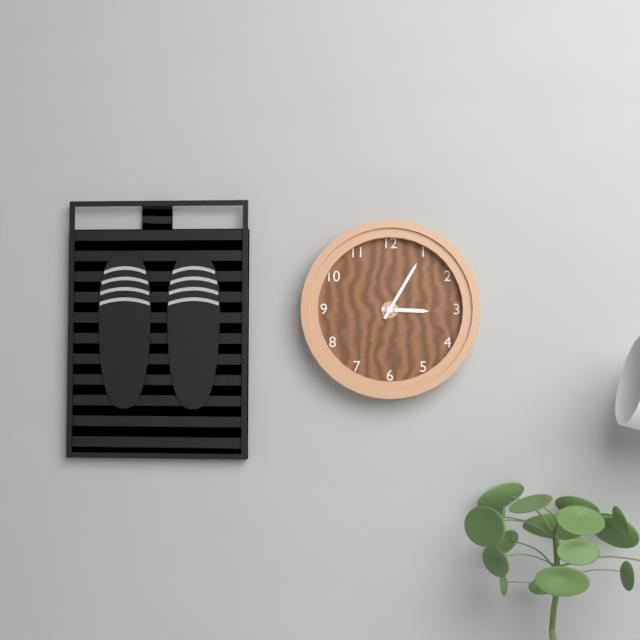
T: 3:05
